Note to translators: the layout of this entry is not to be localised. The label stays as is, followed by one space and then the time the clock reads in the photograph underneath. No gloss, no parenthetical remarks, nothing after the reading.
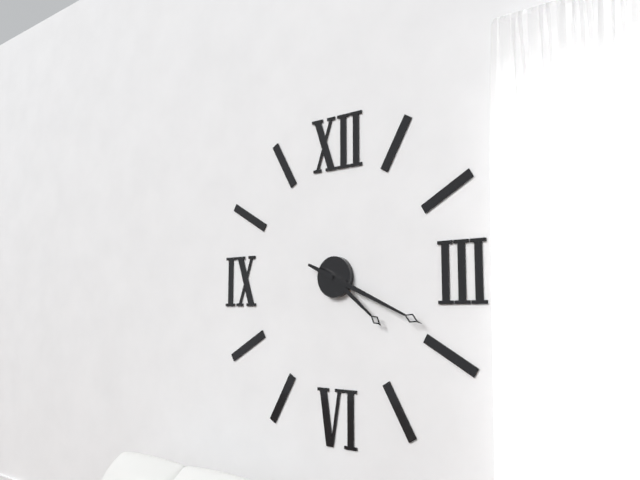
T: 4:19
